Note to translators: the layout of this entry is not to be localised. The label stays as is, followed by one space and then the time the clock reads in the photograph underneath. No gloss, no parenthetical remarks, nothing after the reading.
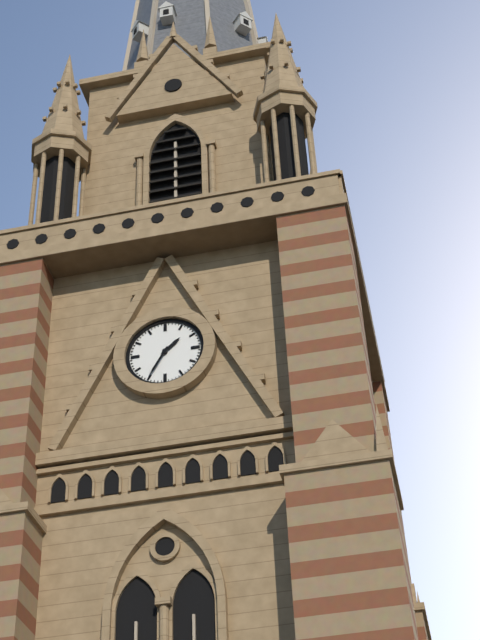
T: 1:35
